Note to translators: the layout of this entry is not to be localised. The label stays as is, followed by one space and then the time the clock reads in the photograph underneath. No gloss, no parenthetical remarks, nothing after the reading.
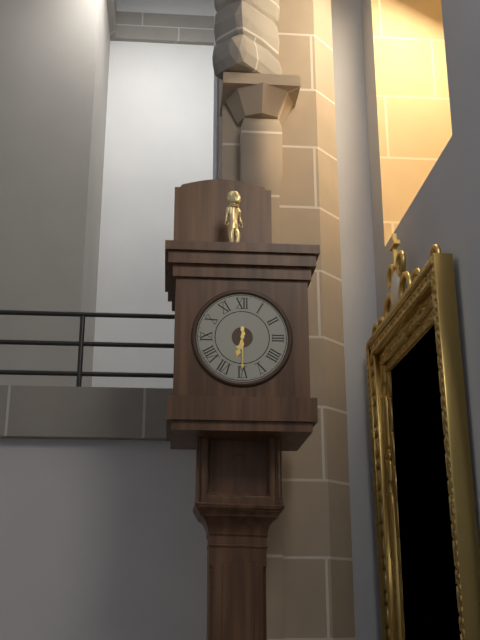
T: 6:30
